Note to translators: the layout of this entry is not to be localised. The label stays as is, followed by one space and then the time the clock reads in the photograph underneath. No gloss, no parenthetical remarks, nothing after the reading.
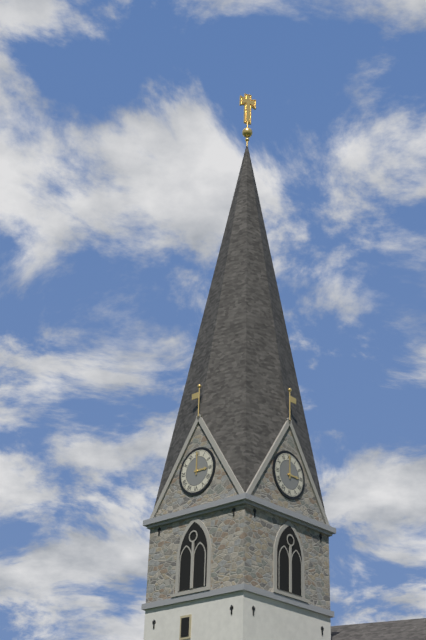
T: 3:00
